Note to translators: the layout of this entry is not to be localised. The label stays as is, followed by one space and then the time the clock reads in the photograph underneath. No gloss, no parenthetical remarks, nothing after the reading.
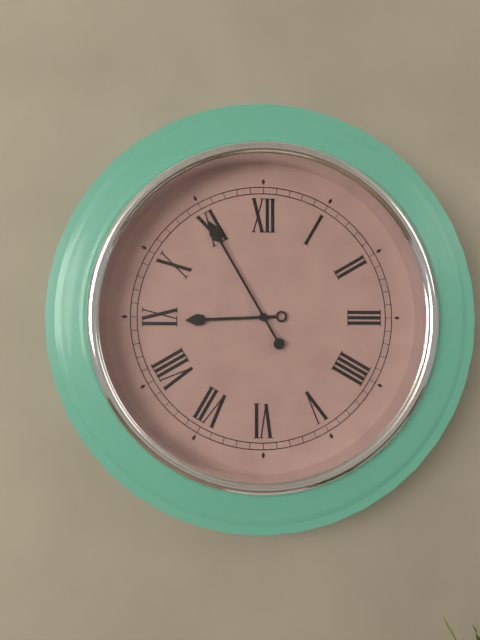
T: 8:55
